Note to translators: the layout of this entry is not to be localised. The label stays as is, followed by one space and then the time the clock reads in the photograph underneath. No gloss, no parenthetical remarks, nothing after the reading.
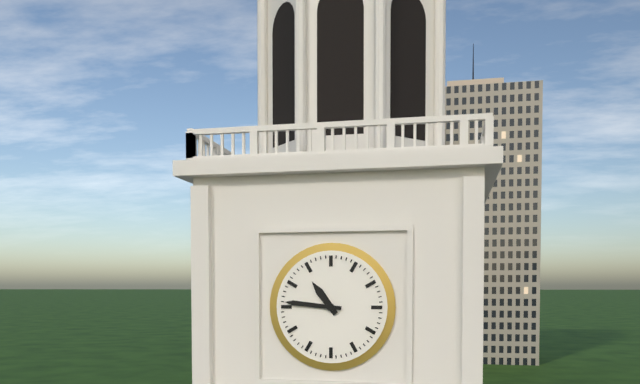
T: 10:46
